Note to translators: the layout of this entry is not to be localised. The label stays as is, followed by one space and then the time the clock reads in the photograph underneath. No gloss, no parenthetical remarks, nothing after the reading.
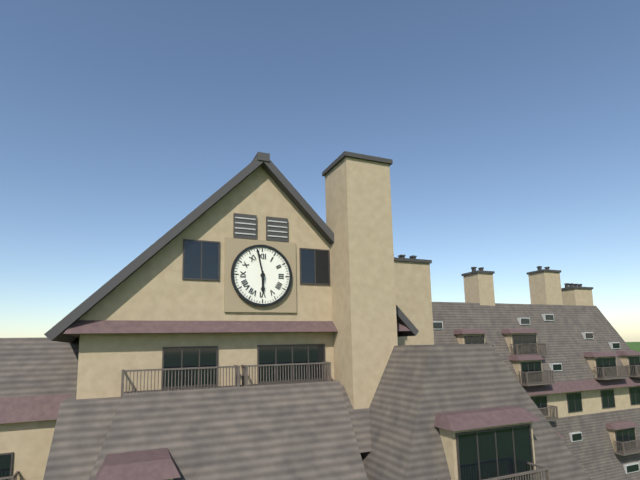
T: 5:58
